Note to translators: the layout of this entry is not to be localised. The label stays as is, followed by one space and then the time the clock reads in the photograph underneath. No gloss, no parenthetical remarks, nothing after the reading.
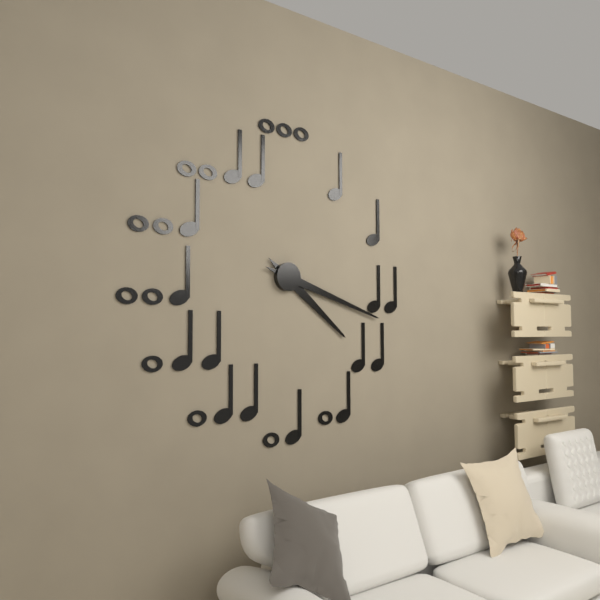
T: 4:18
